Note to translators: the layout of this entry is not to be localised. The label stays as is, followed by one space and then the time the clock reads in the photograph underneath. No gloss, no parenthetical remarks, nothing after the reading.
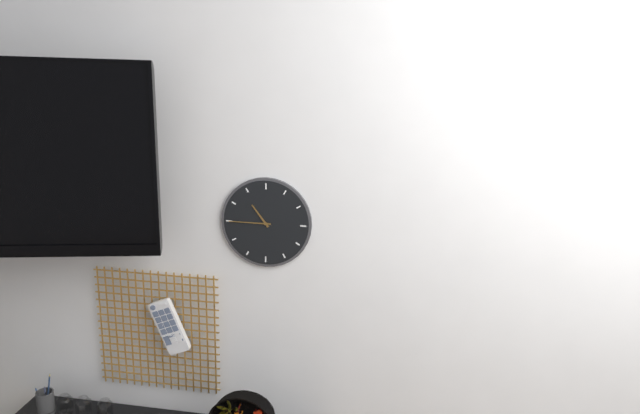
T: 10:45
